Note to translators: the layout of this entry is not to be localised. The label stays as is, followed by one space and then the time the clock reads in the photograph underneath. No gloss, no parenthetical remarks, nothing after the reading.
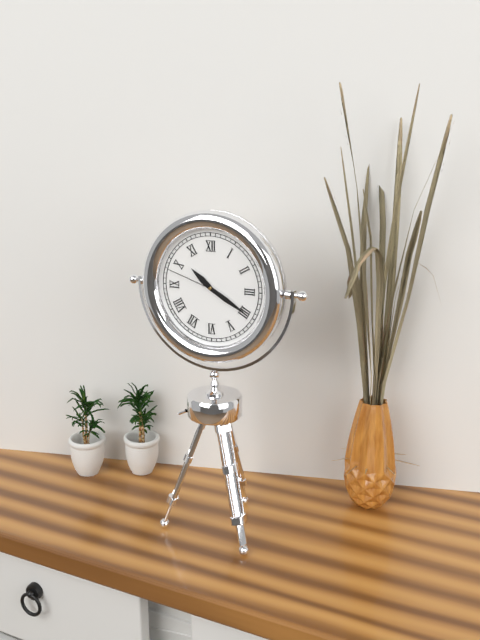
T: 10:20:48
